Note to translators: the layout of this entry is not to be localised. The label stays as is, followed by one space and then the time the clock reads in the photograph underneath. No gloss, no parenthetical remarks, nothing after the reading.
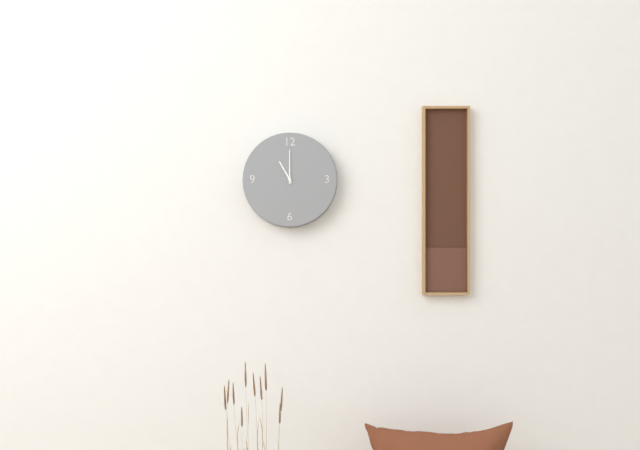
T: 11:00
